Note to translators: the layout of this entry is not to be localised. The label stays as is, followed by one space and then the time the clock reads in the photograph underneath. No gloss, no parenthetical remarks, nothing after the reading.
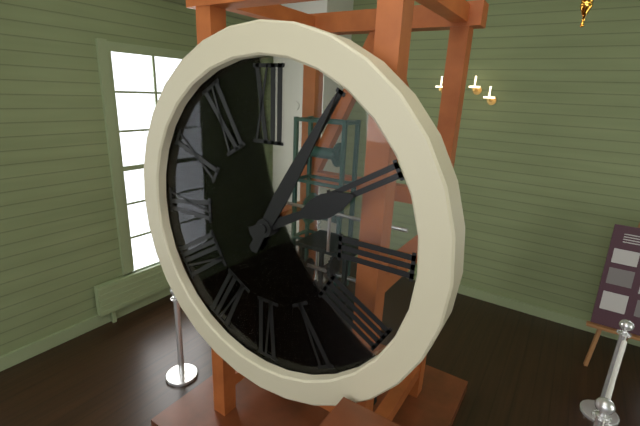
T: 2:05
